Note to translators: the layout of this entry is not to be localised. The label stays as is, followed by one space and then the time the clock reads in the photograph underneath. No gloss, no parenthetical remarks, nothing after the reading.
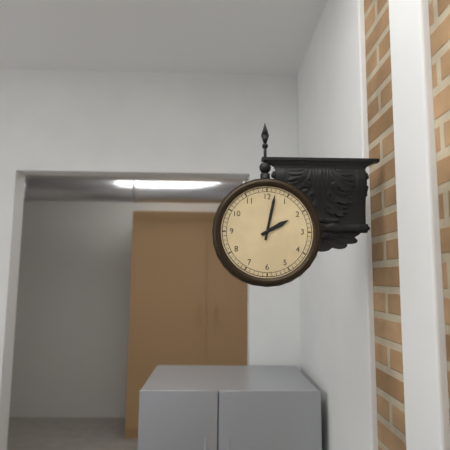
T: 2:02
